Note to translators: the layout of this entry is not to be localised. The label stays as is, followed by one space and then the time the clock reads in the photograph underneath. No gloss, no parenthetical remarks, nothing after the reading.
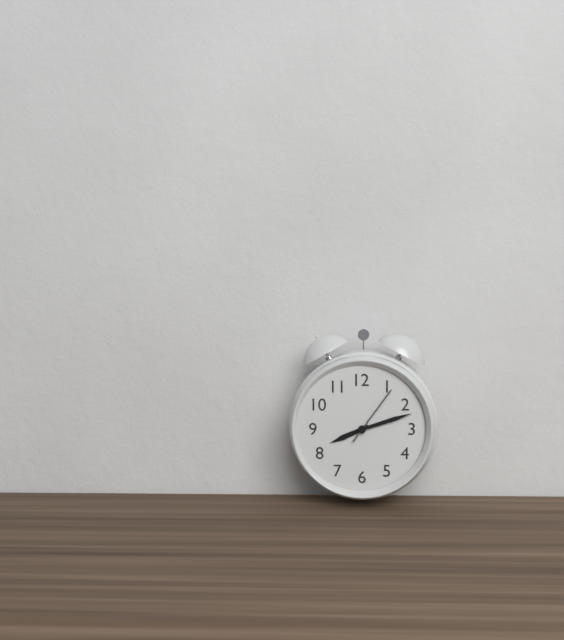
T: 8:12:06
